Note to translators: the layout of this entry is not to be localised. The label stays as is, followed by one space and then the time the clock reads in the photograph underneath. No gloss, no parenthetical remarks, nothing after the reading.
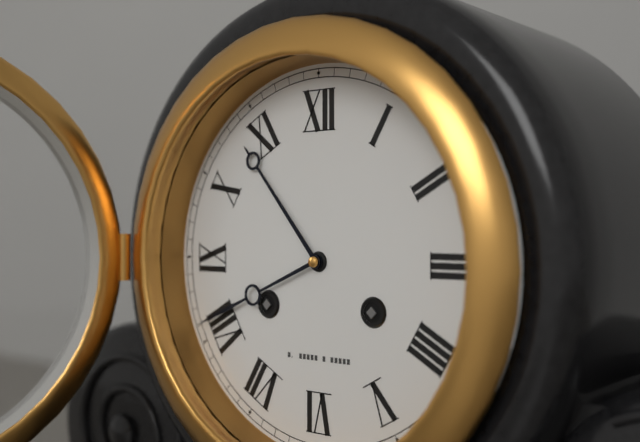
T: 10:41
